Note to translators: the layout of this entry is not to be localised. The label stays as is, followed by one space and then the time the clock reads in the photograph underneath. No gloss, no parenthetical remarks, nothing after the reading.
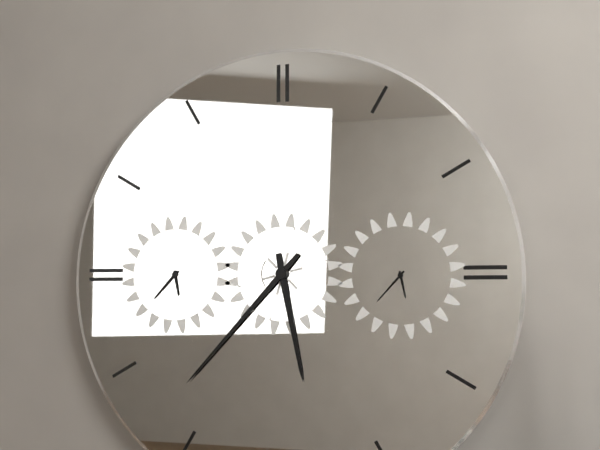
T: 5:37
